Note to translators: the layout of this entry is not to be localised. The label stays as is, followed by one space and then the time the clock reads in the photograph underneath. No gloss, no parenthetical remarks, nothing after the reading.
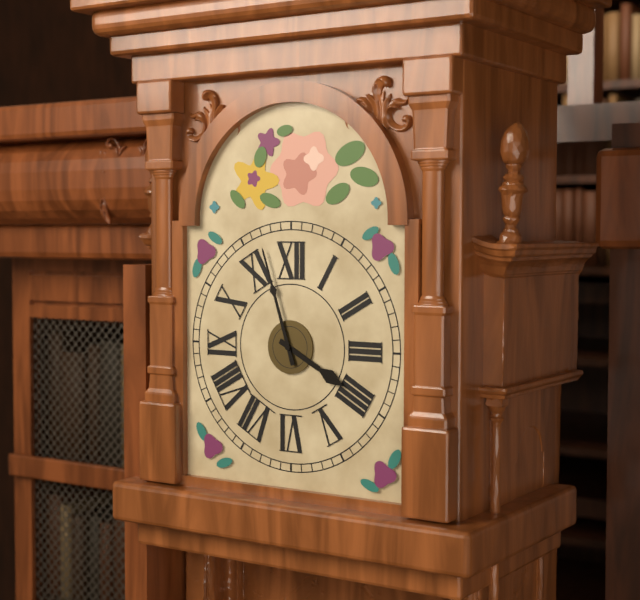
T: 3:57
